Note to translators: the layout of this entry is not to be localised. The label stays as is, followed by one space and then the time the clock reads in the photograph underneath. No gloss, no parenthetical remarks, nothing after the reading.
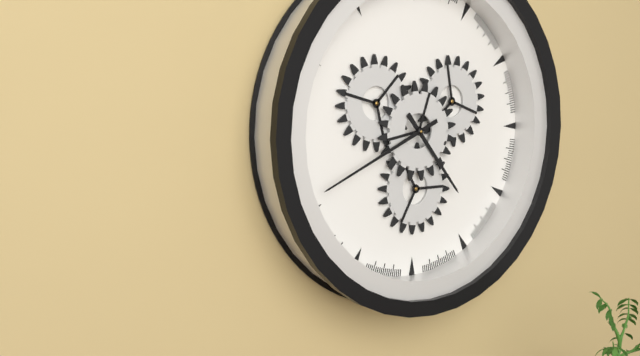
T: 4:41
